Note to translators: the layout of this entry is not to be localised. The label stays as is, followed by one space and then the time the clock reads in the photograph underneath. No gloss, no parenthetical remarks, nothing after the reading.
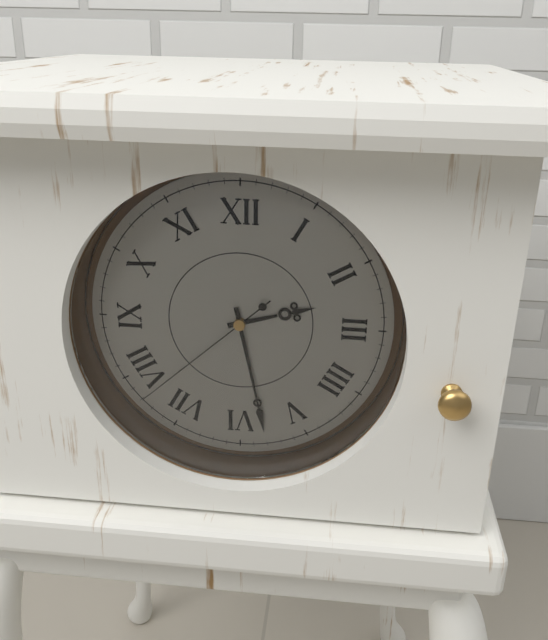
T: 2:28:38
